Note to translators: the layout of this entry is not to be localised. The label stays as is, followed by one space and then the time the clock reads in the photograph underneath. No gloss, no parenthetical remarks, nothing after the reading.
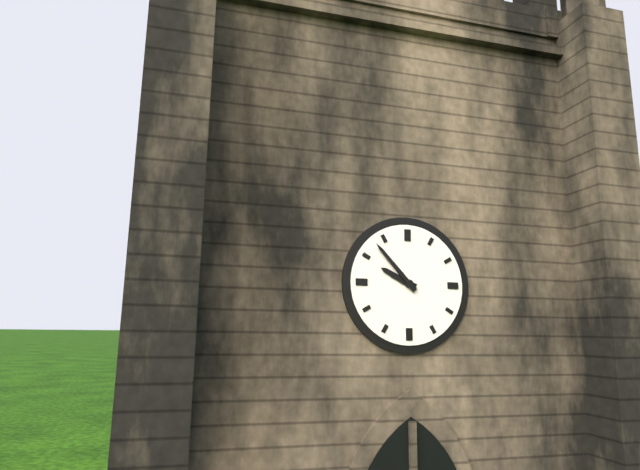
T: 9:53
